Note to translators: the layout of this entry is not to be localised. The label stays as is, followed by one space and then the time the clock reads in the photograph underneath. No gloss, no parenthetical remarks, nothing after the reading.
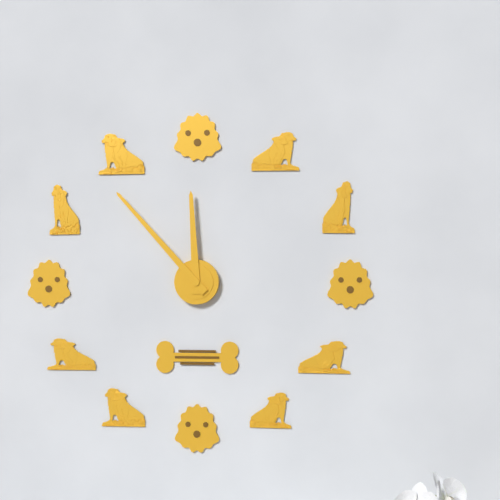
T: 11:53
